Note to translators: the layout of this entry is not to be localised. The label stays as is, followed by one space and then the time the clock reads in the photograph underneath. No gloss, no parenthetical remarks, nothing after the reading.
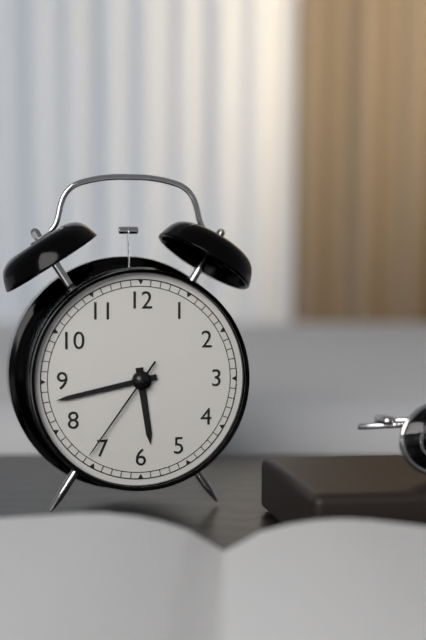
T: 5:43:36
